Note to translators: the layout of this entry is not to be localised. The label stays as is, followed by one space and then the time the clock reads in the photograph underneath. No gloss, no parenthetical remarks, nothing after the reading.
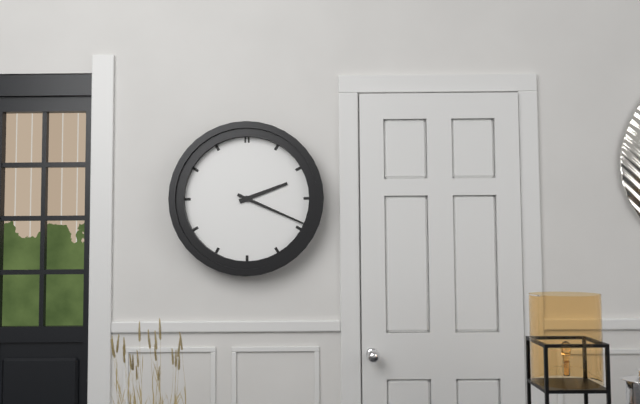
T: 2:19
